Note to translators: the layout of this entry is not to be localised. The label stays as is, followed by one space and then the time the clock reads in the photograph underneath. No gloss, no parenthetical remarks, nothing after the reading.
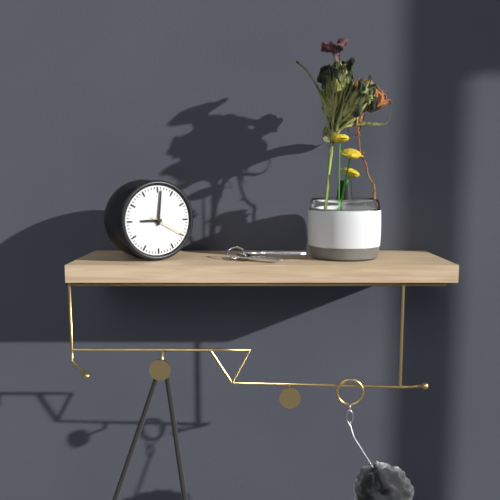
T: 9:01
